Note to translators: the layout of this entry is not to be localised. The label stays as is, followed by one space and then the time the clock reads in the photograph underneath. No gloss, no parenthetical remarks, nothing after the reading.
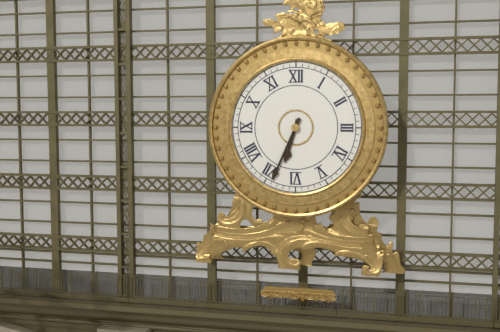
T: 6:34
